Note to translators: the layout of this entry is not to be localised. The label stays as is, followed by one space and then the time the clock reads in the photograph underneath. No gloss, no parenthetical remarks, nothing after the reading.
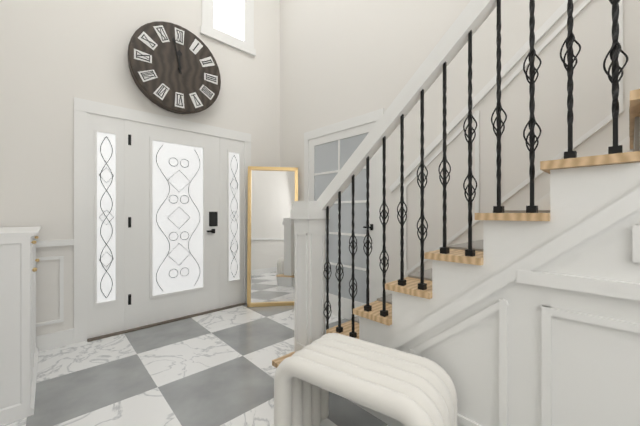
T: 11:58
